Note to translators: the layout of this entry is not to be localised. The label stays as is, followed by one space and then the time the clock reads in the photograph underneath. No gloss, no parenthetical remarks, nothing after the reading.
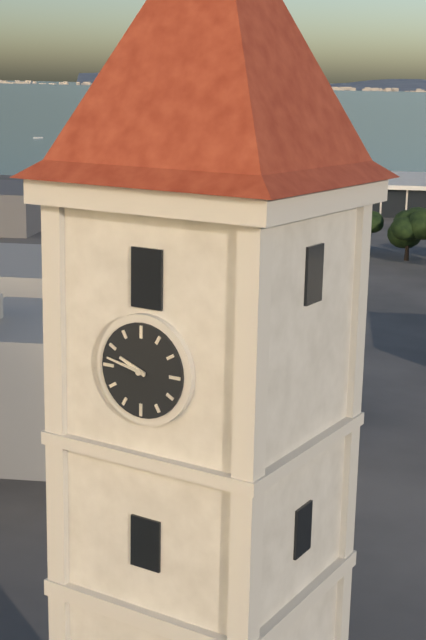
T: 9:47
